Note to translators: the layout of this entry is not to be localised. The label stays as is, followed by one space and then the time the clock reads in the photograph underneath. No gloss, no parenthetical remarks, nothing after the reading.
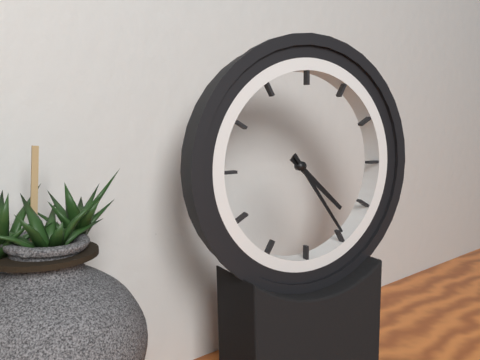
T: 4:24
